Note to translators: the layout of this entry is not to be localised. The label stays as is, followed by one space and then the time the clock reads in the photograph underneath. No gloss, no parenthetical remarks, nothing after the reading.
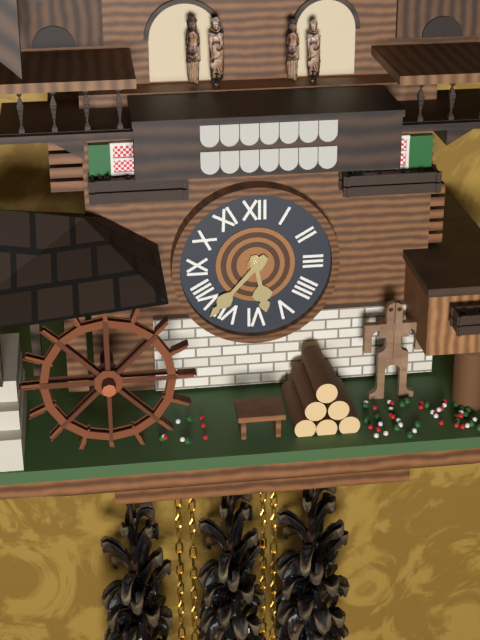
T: 5:37
